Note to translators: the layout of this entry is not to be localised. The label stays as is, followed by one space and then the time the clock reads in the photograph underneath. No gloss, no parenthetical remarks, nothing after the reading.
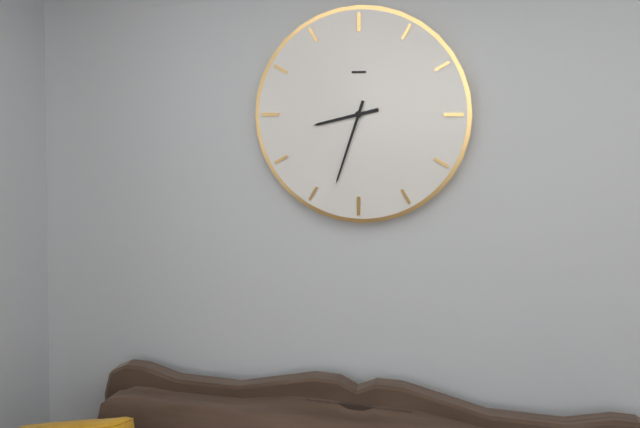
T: 8:33
